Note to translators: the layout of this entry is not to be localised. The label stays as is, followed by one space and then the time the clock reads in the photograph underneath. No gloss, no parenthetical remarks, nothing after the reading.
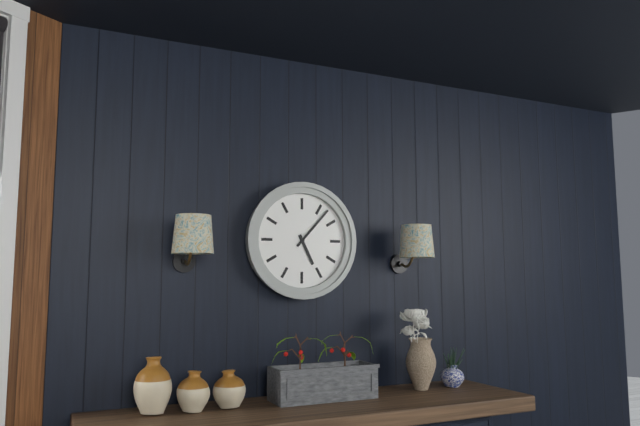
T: 5:07
